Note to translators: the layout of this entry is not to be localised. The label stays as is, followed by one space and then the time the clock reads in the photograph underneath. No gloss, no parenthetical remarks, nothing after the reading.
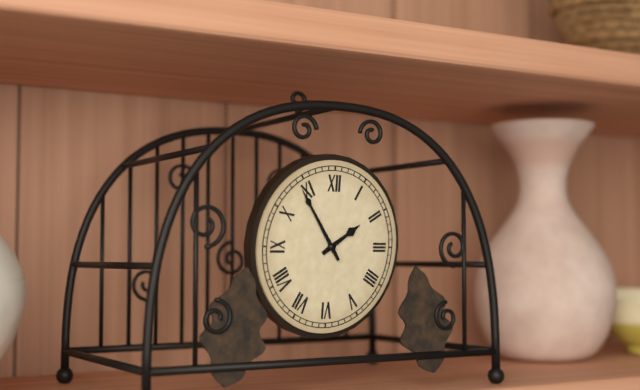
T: 1:54
